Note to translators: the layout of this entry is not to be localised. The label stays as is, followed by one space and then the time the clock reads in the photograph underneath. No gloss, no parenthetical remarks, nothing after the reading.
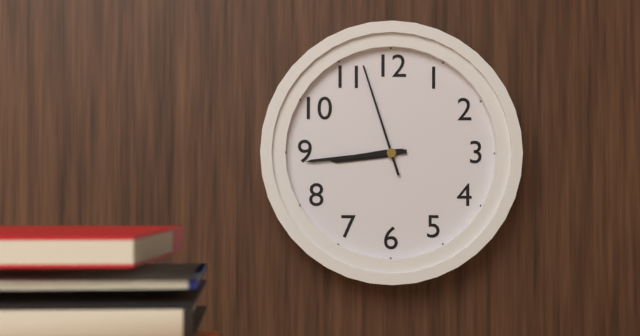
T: 8:44:57
